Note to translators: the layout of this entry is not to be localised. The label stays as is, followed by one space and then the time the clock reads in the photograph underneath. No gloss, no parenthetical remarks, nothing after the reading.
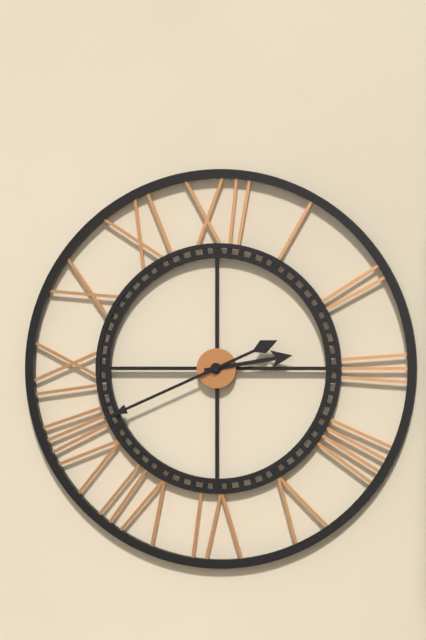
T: 2:41
